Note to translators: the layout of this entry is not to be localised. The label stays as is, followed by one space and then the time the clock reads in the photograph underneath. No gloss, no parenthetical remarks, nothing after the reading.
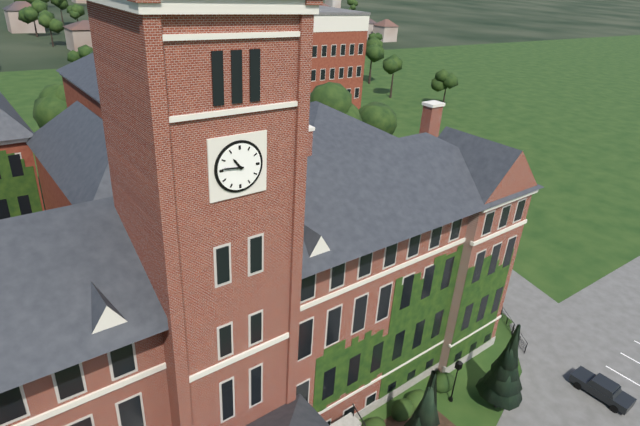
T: 10:46
